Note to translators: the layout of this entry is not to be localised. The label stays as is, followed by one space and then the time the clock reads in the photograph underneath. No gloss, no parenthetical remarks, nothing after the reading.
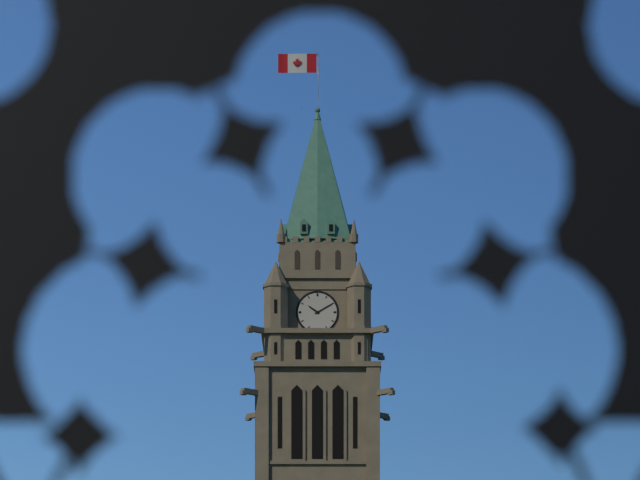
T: 10:10
